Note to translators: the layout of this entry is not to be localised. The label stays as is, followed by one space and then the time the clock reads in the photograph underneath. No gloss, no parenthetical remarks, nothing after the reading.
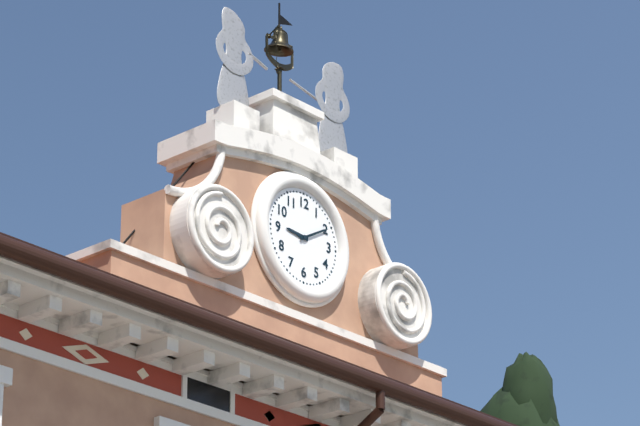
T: 9:10
